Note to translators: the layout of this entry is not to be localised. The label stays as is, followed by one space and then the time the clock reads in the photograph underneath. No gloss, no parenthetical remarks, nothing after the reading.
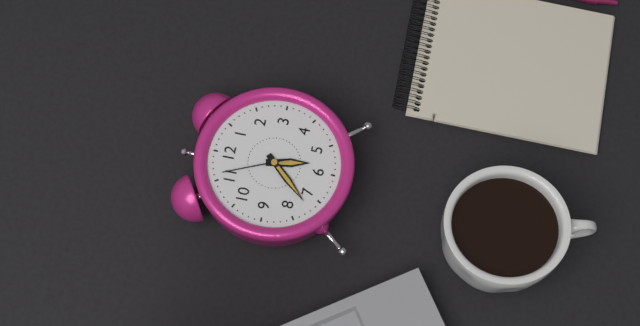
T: 5:37:56
